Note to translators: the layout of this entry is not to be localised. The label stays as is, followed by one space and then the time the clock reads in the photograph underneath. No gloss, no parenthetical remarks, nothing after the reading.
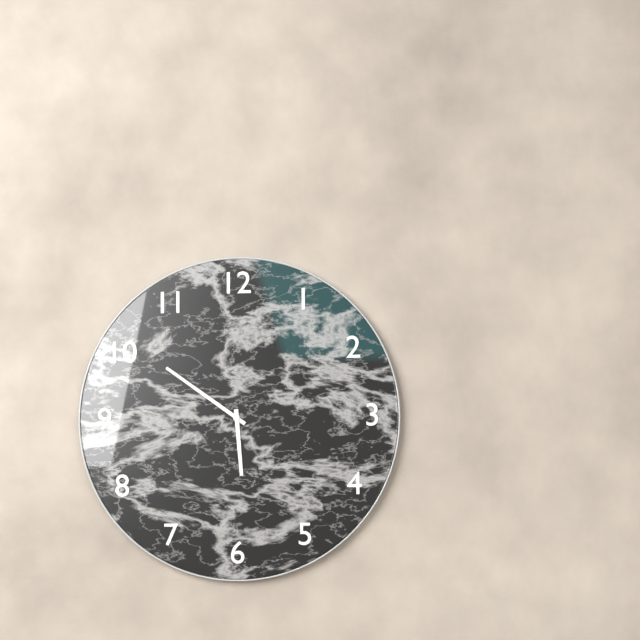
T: 5:51
